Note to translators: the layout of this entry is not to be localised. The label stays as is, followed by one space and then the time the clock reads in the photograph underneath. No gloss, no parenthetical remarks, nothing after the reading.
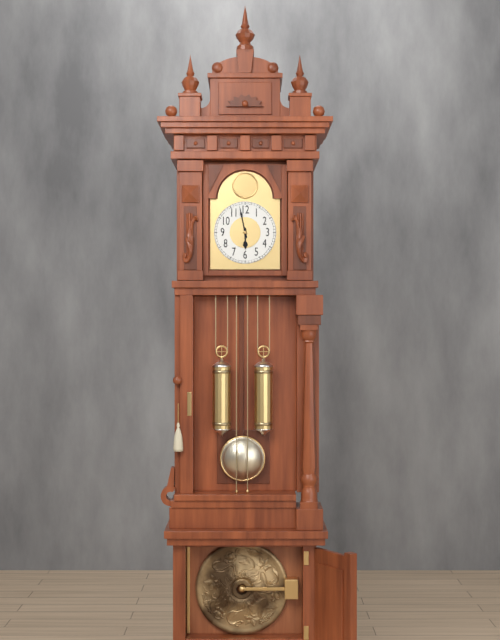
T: 5:58
